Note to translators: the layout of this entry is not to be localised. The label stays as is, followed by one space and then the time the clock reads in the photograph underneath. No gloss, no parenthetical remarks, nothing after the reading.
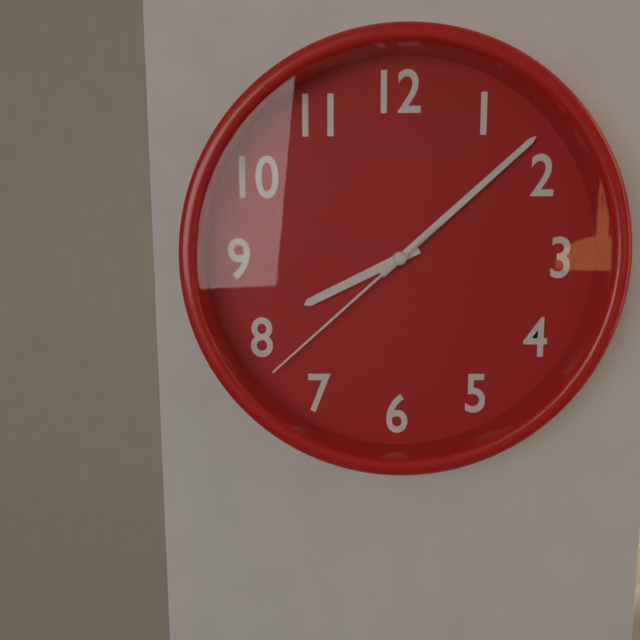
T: 8:08:38
